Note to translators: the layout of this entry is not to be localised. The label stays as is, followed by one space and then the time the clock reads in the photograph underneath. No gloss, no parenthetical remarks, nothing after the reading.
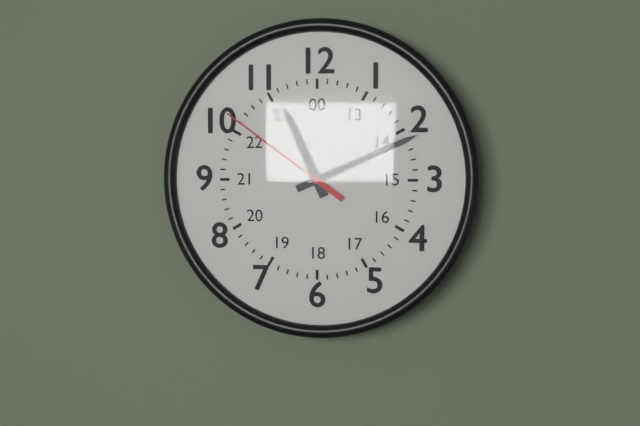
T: 11:11:51
